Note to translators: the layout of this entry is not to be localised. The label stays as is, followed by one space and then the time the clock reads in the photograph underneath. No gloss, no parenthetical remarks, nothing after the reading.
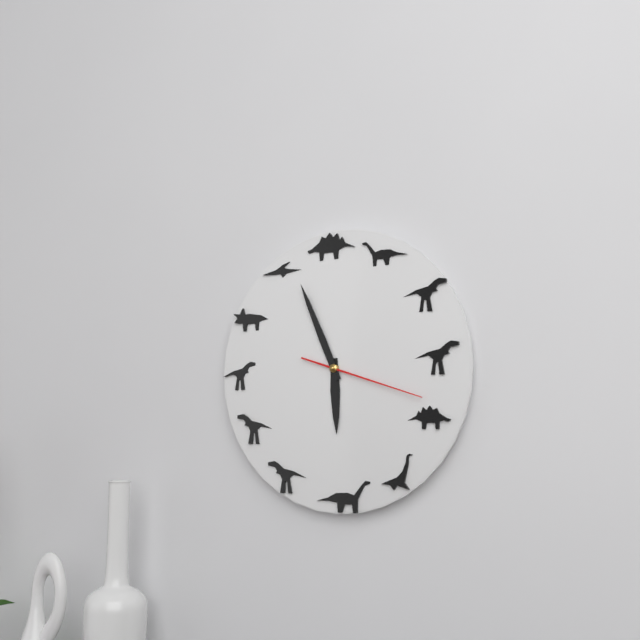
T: 5:56:18
